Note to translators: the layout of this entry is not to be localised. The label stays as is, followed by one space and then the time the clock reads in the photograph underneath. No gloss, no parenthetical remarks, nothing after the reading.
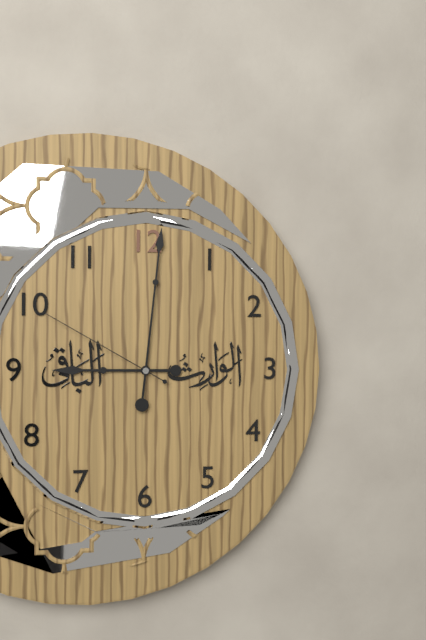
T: 9:01:50
